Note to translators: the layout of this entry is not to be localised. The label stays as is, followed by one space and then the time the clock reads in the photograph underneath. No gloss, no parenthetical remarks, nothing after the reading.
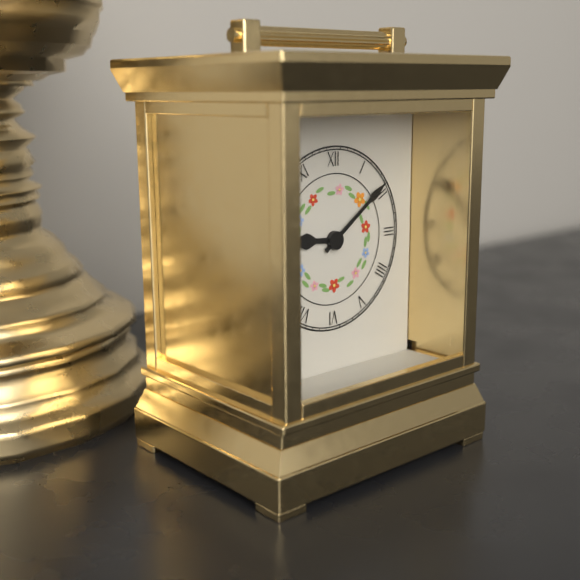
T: 9:09
